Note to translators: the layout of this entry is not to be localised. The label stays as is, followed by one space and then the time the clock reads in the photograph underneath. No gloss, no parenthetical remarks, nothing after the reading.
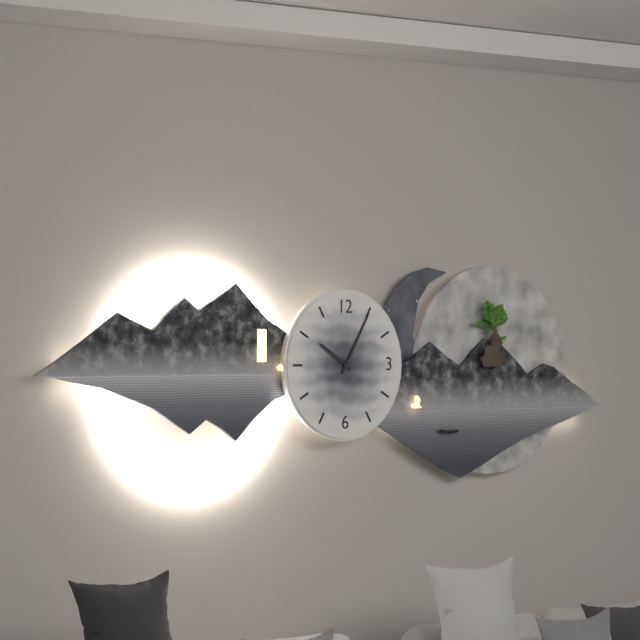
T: 10:05
